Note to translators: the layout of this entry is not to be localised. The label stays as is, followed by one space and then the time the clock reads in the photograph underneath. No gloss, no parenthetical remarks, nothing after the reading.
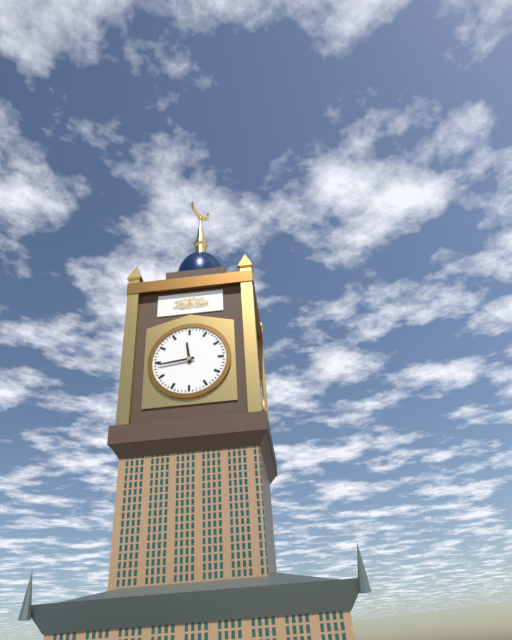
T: 11:44
